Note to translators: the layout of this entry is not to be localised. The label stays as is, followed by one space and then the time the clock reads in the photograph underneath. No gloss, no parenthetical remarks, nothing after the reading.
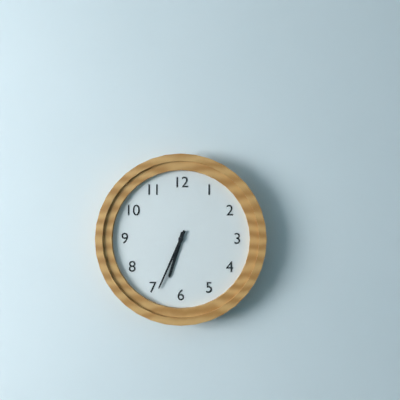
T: 6:34
